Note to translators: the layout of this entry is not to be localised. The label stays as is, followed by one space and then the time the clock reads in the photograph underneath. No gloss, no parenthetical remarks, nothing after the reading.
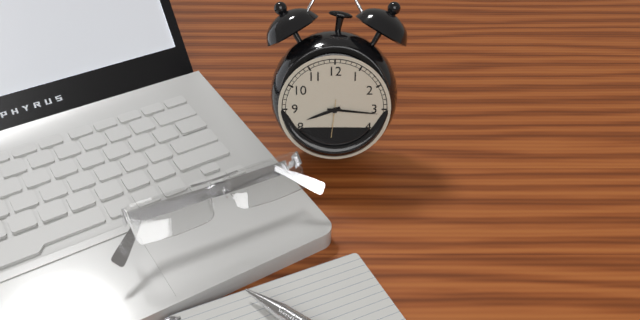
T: 8:16
